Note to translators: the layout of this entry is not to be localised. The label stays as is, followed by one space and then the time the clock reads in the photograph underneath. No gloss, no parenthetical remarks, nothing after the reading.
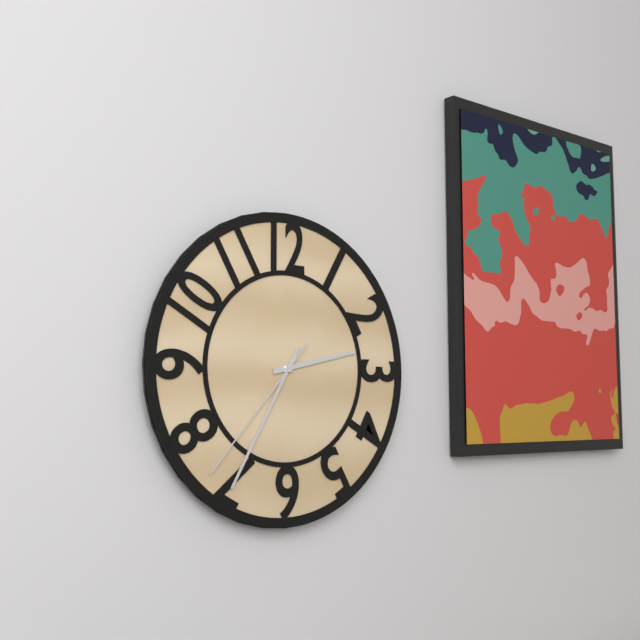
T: 2:35:37
